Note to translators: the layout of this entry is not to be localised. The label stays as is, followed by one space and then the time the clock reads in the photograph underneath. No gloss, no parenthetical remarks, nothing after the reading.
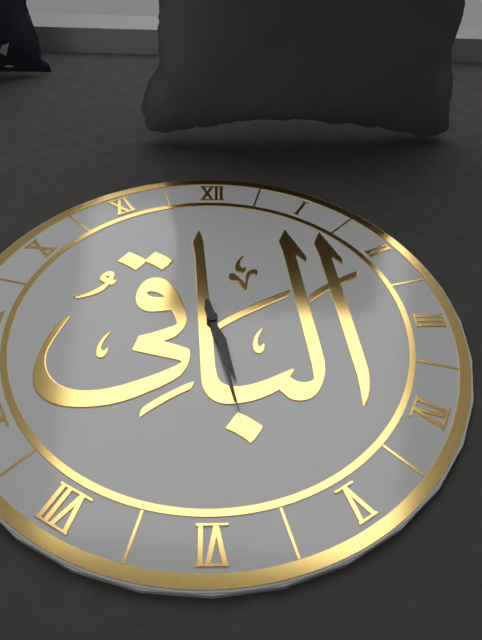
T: 5:28
